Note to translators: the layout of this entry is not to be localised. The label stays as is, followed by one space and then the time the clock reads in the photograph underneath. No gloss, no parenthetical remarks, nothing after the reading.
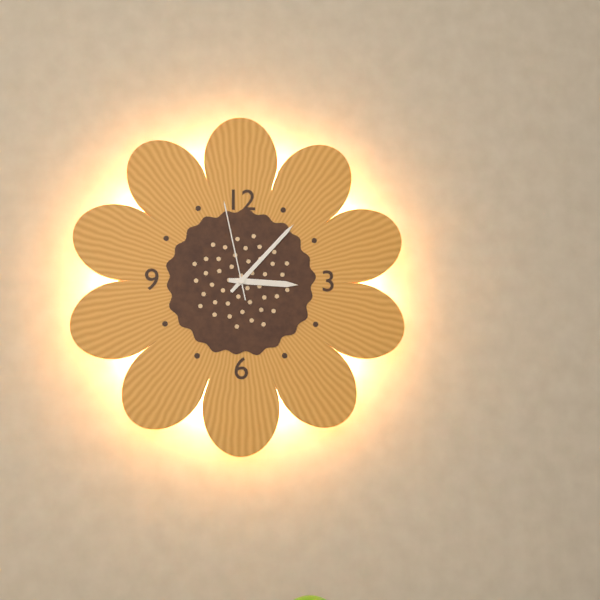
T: 3:07:58
